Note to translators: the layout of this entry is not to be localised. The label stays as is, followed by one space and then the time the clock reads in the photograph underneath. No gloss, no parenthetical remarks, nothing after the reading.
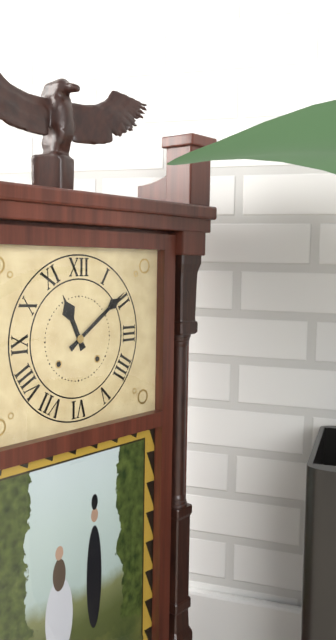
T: 11:09
